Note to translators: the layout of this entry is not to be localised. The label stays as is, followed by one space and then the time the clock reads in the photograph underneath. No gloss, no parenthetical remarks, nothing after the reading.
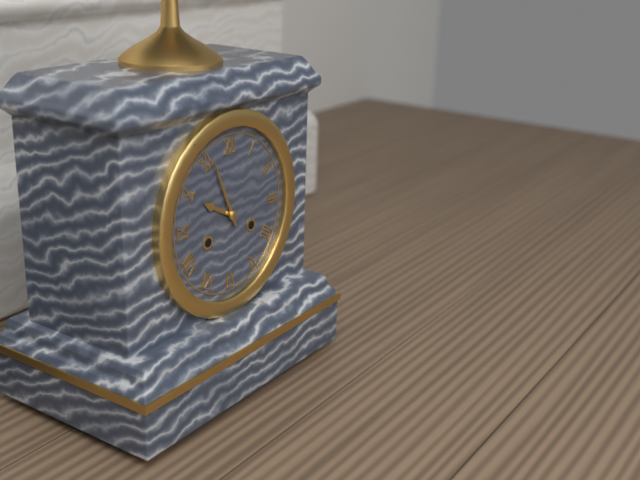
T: 9:56
